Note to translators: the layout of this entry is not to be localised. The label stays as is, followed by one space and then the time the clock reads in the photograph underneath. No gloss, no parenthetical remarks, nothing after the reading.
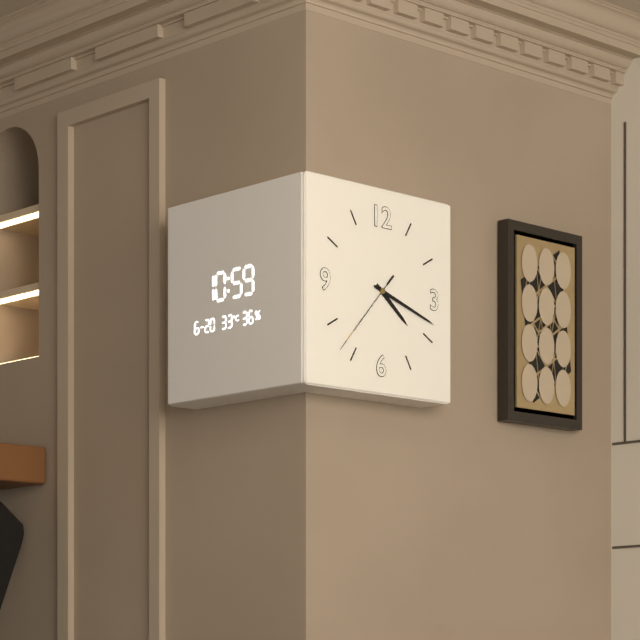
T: 4:18:37
